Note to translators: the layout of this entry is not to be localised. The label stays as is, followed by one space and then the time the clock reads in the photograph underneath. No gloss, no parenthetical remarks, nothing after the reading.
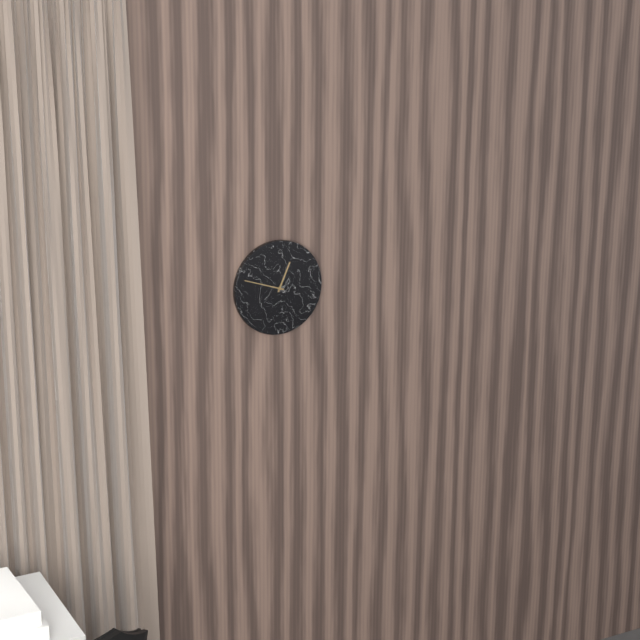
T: 12:48
